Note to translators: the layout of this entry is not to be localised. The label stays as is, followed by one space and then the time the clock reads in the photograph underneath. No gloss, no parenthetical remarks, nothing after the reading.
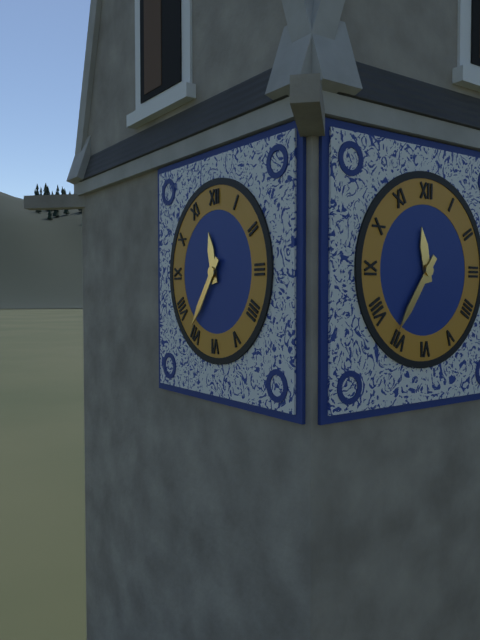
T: 11:36
